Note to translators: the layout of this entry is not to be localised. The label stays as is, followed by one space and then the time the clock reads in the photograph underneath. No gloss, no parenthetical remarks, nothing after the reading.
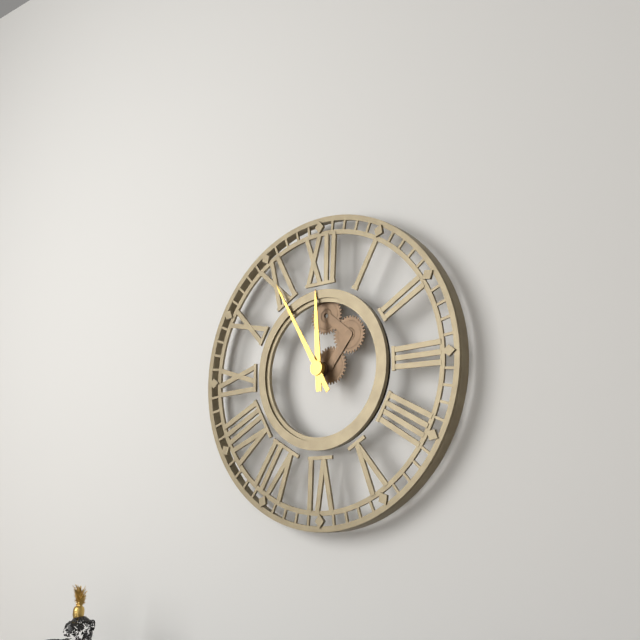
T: 11:55
